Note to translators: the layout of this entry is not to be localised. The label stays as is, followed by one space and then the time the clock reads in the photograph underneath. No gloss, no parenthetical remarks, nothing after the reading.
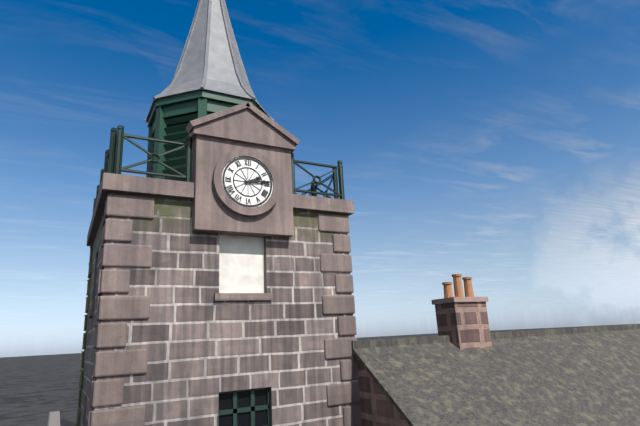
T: 2:14
